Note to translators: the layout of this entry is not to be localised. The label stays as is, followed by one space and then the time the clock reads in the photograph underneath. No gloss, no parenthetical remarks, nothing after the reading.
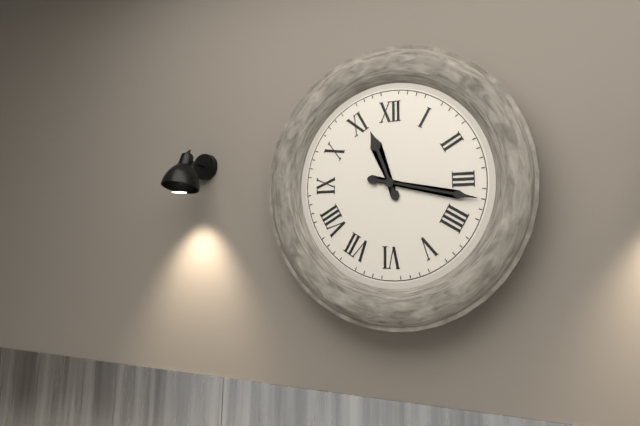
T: 11:17
